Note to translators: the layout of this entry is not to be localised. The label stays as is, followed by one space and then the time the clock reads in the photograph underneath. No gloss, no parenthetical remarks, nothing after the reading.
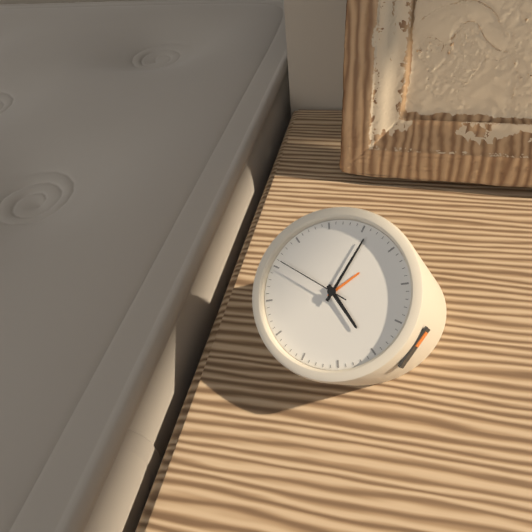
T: 4:01:46
